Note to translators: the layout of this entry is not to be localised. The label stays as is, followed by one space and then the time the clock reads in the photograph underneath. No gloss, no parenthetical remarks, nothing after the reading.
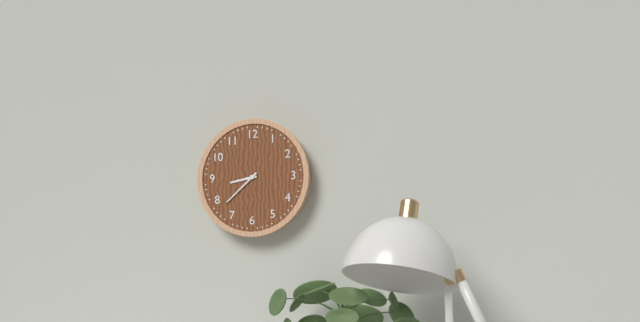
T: 8:38
